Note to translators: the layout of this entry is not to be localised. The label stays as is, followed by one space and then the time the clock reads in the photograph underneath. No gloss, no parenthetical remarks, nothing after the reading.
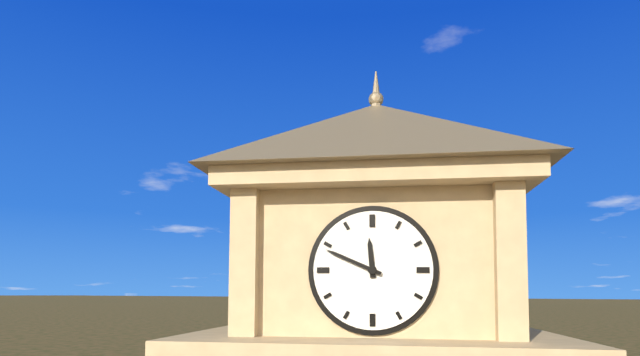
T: 11:49
